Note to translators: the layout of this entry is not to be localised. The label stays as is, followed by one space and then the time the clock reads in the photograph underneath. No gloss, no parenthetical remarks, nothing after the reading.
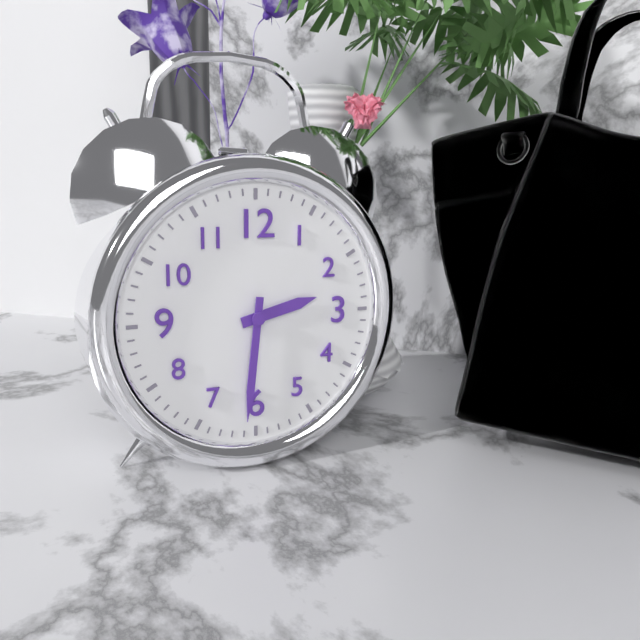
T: 2:31
